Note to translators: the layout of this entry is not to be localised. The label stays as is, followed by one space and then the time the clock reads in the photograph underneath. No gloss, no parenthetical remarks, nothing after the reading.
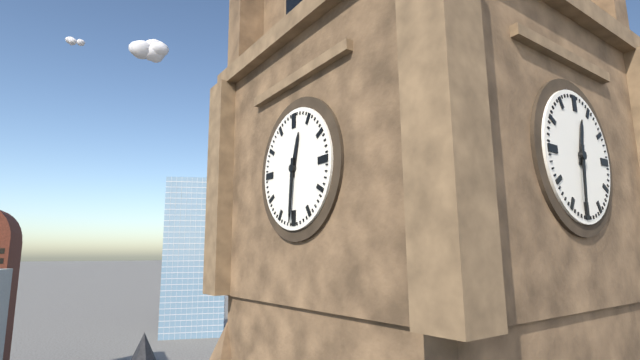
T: 12:31
